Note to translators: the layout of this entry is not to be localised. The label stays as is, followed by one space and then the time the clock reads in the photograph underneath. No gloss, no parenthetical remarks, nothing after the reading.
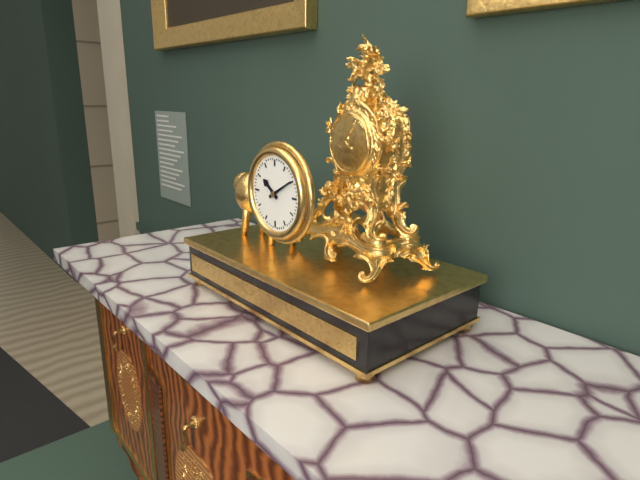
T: 10:10
